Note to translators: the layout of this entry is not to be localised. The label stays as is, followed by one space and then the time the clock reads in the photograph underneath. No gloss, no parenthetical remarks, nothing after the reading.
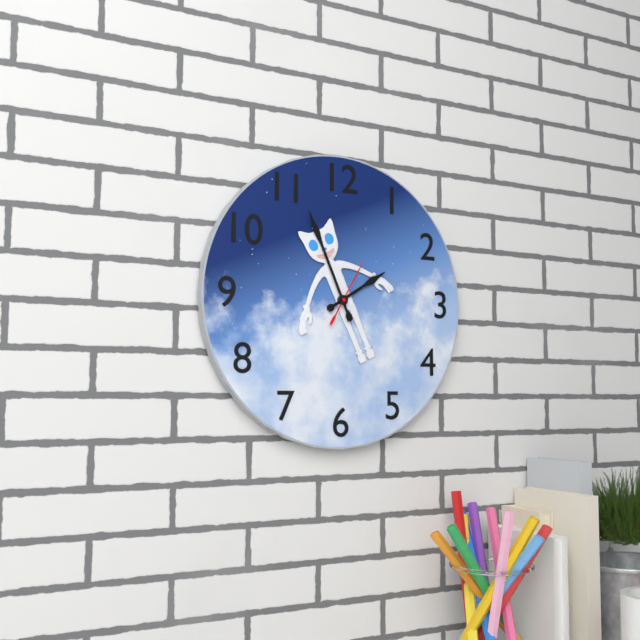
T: 1:56:05
